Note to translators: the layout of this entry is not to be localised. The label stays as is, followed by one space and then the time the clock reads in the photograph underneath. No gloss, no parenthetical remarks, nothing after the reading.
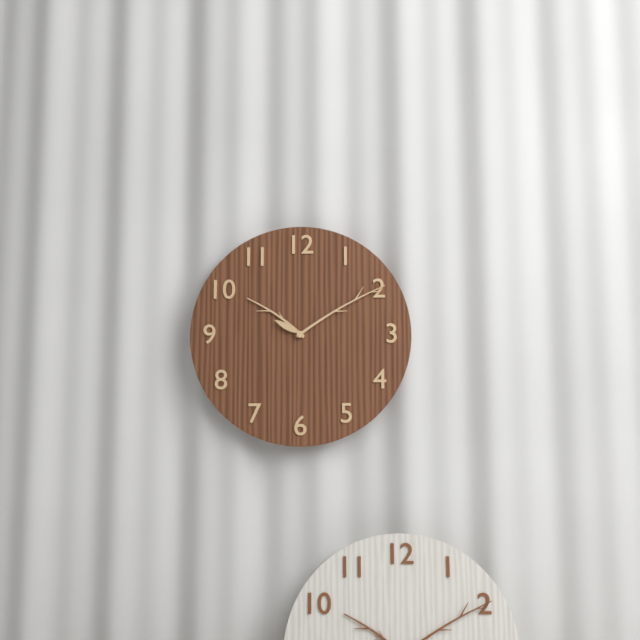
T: 10:10
